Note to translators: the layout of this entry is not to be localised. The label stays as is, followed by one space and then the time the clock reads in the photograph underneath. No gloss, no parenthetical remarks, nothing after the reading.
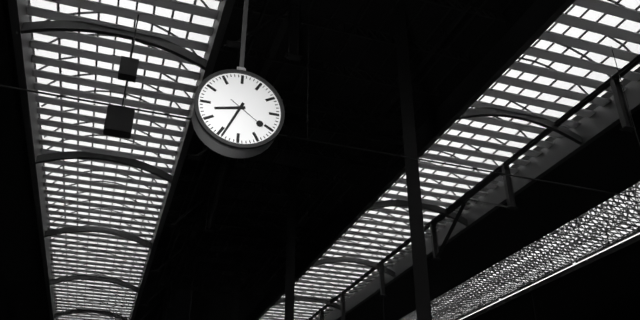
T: 8:34
